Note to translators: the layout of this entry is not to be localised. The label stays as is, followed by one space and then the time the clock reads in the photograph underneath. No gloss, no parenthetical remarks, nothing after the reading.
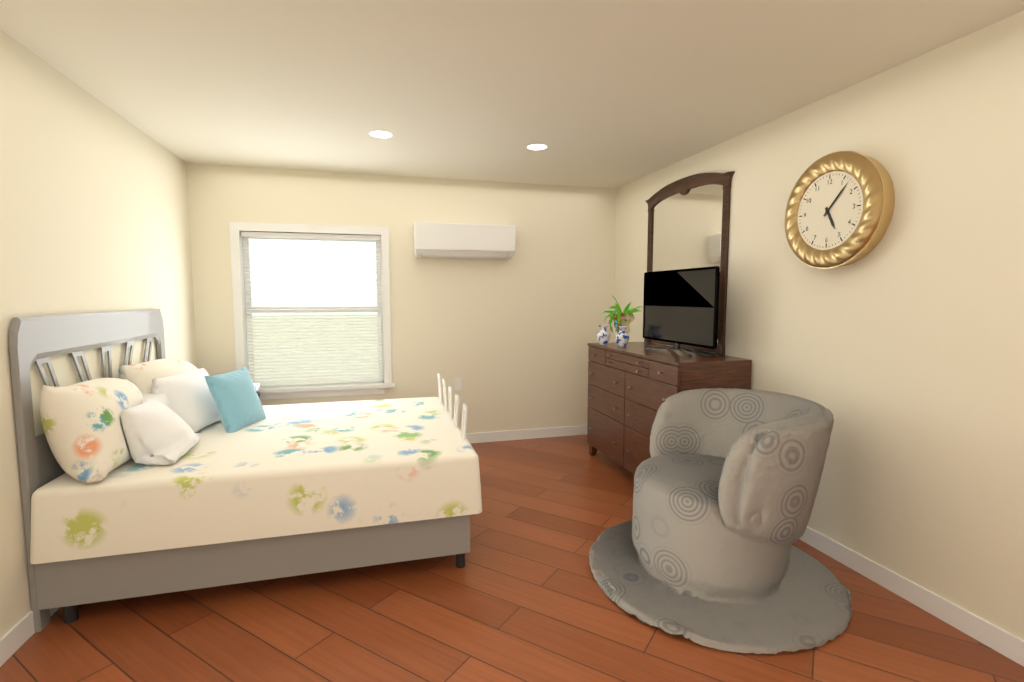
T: 5:07
